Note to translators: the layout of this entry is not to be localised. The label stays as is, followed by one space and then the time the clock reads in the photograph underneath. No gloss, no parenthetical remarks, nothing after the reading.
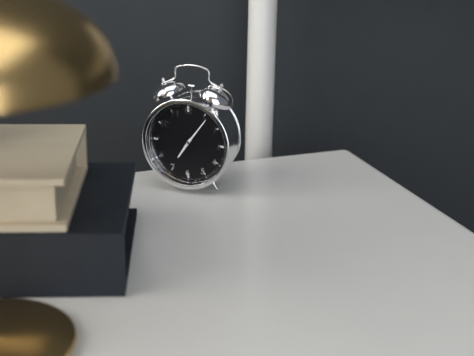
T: 7:06
